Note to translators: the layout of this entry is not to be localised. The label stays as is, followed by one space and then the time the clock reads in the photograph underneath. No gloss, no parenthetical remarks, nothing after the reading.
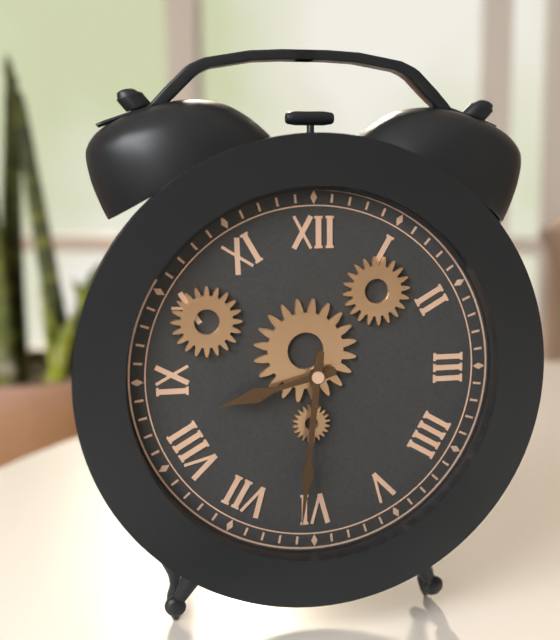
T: 8:31
